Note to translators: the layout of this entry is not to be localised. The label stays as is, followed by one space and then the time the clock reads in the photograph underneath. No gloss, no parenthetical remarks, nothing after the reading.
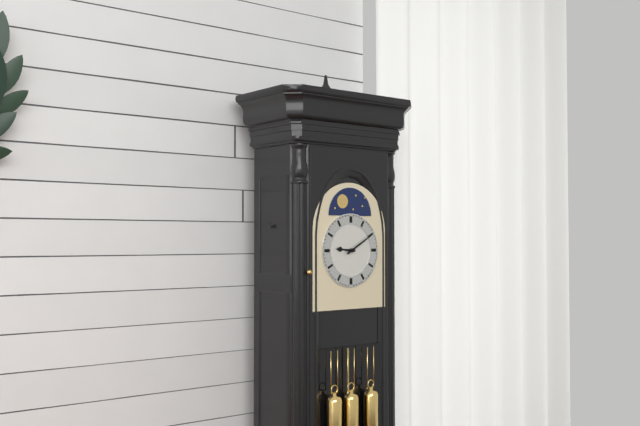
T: 9:10
